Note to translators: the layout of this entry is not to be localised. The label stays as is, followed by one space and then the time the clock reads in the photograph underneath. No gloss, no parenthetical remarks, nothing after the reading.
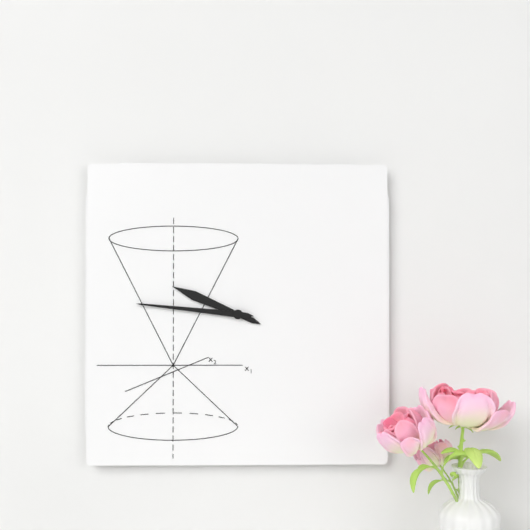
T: 9:46
